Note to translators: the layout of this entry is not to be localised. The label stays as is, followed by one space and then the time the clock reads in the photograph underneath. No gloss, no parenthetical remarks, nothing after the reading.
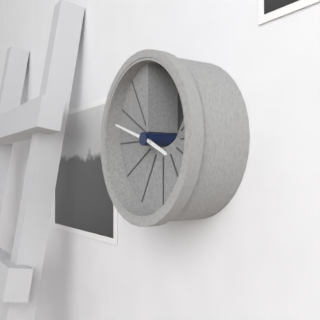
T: 3:48
